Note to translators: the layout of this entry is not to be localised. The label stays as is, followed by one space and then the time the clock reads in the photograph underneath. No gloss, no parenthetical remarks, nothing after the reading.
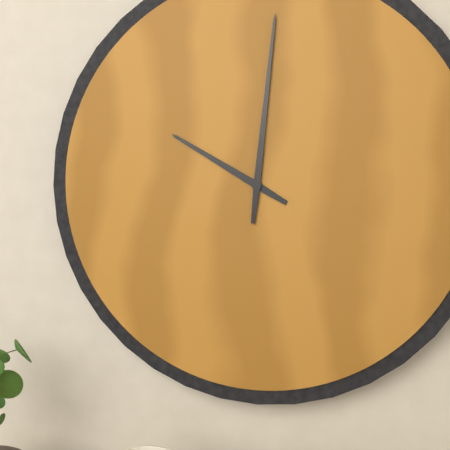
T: 10:01
